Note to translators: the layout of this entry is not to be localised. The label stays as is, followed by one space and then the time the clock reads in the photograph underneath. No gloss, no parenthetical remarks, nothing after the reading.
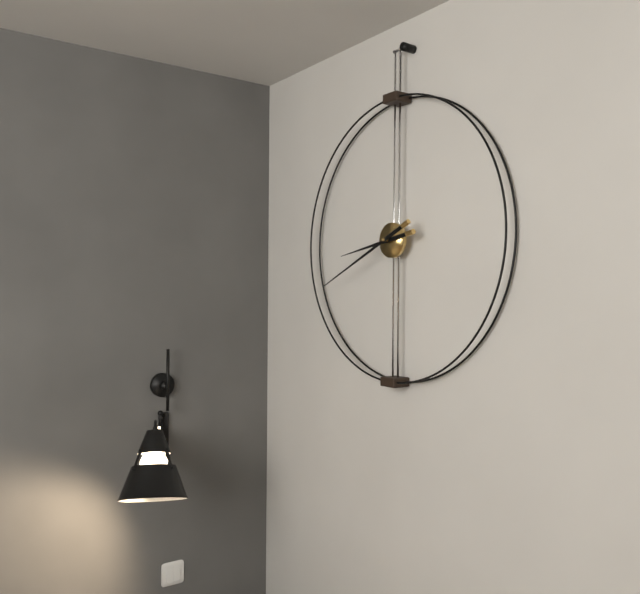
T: 8:41
